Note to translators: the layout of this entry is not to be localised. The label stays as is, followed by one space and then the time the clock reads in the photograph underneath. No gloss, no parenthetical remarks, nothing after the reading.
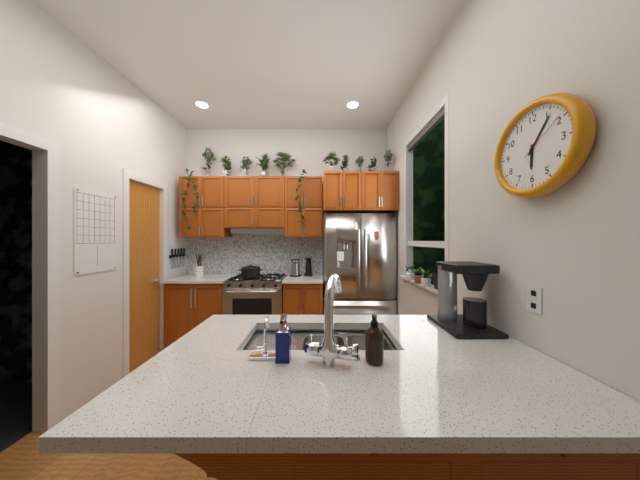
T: 6:06:09
